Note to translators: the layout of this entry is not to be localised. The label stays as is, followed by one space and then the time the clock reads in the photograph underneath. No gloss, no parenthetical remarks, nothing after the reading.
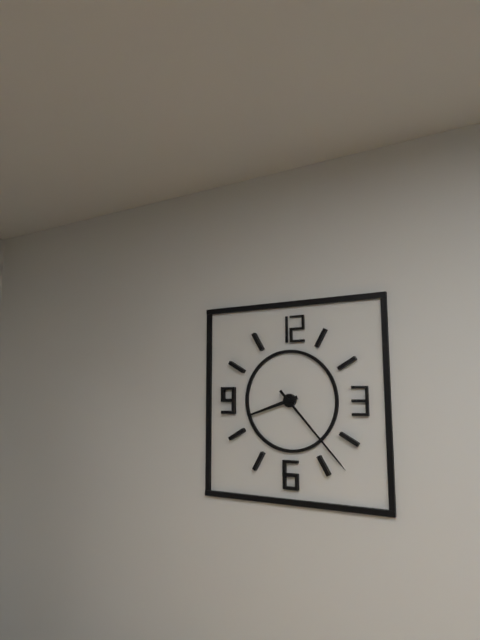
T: 8:23
